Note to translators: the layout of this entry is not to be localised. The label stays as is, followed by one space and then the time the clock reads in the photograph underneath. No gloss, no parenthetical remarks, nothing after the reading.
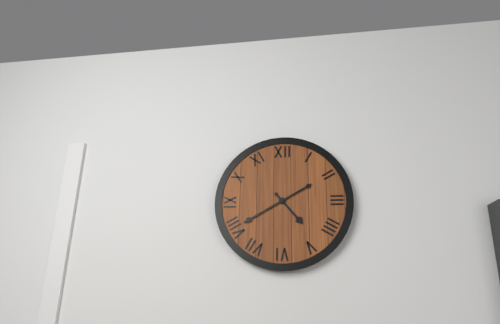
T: 4:40
